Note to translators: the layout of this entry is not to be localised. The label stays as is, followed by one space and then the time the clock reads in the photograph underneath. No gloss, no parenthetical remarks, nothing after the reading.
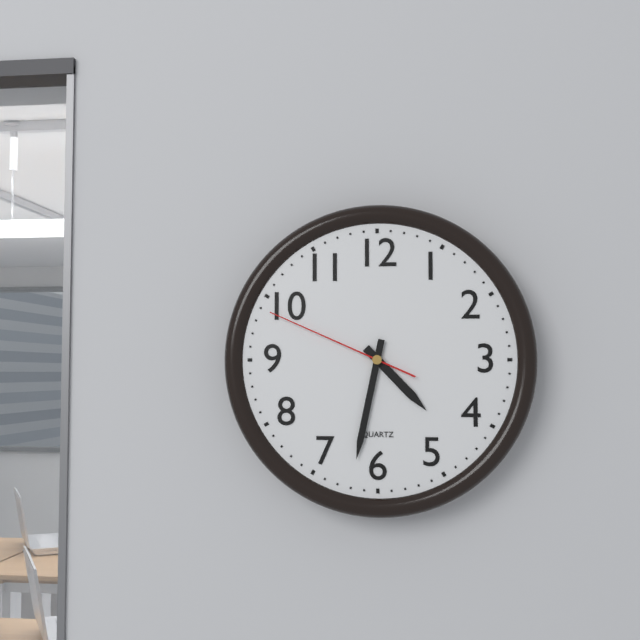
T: 4:32:49
